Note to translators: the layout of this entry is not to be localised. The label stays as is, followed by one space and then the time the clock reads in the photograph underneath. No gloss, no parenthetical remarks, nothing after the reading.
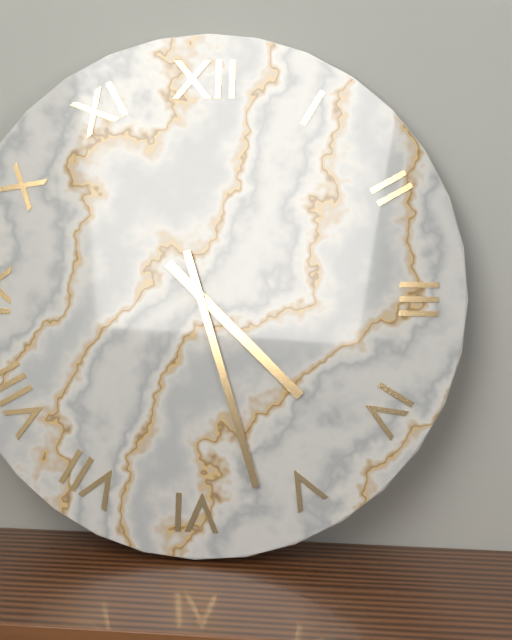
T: 4:27
